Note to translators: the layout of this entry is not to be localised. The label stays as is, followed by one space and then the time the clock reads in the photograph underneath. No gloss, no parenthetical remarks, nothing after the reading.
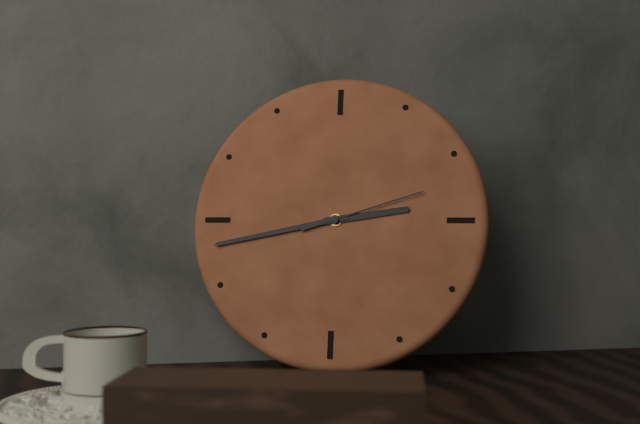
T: 2:43:12
